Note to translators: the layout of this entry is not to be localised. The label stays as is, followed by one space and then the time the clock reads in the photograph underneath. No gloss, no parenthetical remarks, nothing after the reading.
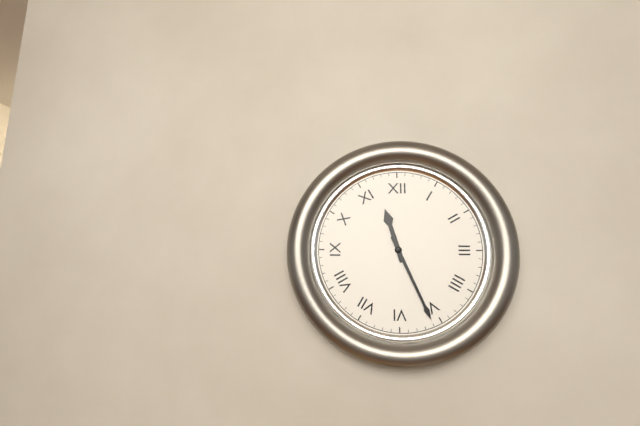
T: 11:26
